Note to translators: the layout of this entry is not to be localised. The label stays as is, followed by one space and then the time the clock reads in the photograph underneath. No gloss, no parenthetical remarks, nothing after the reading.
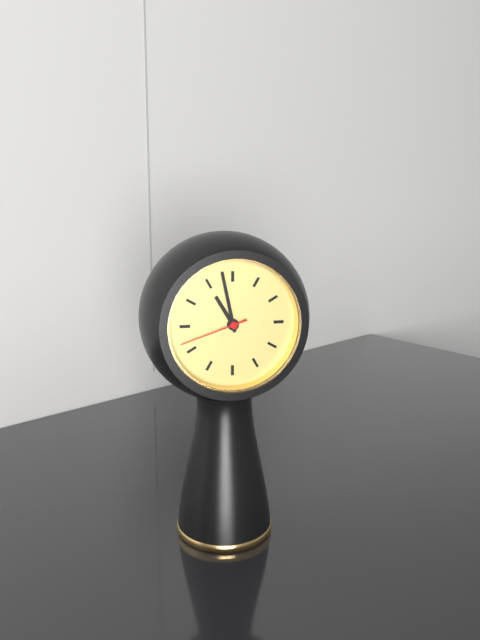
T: 10:58:42
